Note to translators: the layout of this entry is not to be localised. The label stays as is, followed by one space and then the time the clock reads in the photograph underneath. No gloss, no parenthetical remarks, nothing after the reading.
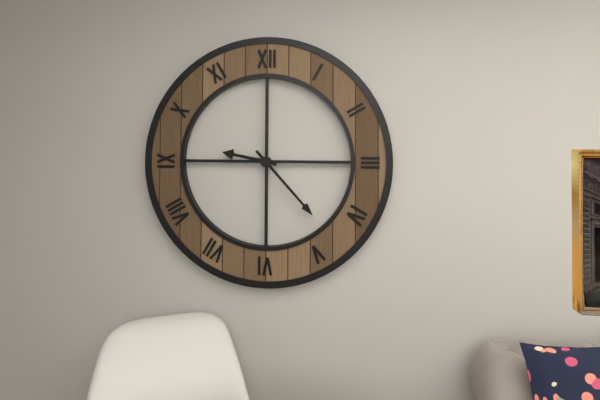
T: 9:23
